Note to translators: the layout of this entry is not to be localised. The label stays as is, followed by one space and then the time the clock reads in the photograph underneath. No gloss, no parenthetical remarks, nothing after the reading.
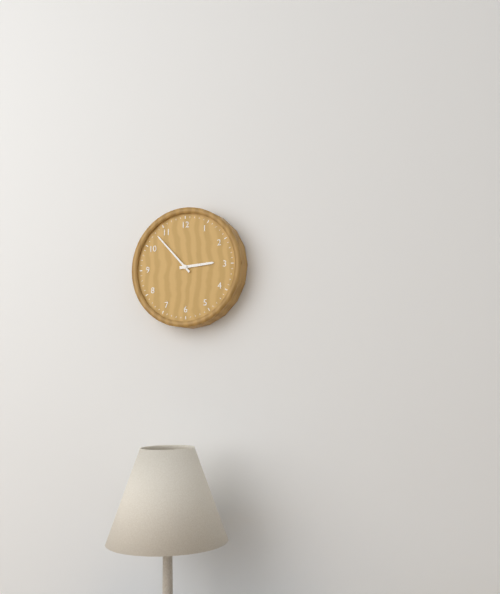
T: 2:53
